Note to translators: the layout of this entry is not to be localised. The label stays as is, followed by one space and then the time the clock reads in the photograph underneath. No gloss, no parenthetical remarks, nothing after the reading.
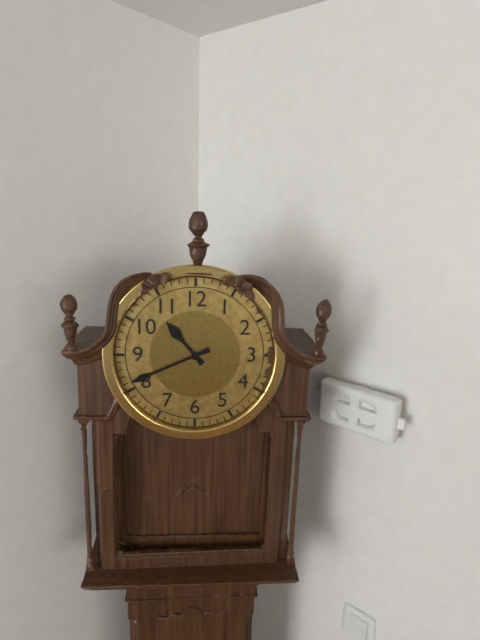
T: 10:41
